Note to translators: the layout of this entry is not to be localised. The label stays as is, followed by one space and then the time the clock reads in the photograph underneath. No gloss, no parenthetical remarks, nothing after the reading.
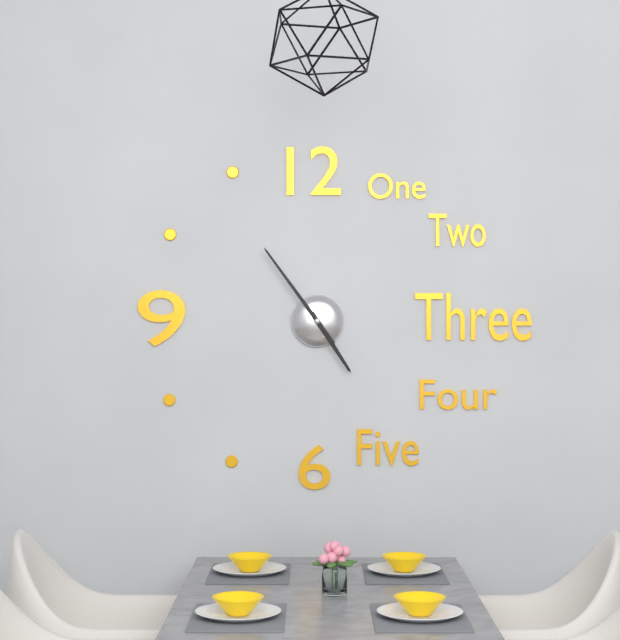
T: 4:54
